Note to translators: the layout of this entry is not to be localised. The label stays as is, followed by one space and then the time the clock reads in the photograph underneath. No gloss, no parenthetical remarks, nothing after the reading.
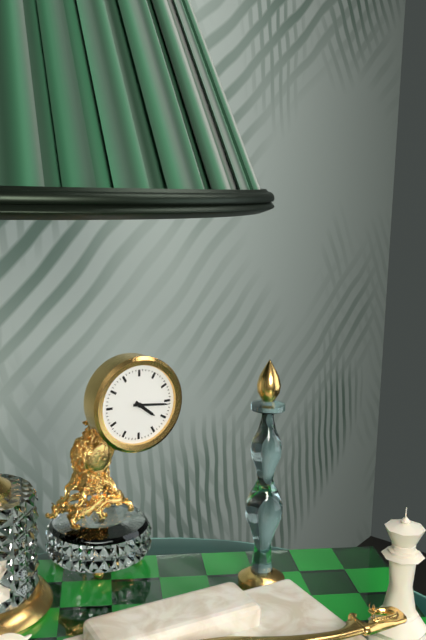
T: 4:16
